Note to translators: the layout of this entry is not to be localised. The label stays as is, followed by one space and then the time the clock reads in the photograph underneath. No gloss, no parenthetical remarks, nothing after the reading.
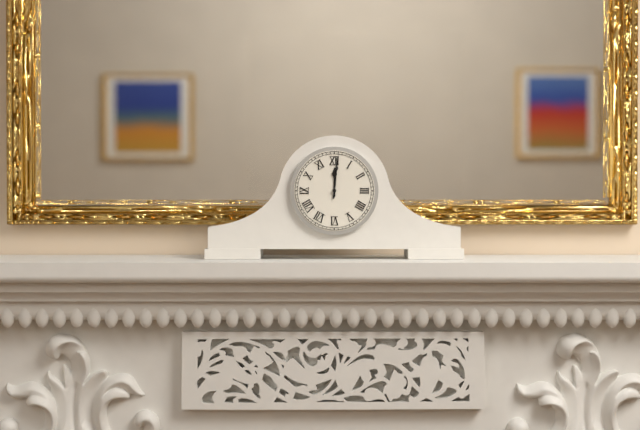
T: 12:01
